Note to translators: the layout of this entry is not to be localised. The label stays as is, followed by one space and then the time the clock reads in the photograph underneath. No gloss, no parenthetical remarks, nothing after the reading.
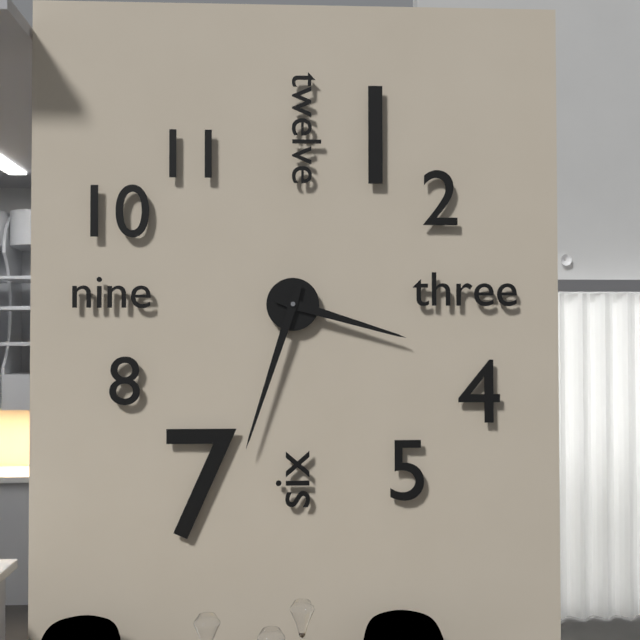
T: 3:33
